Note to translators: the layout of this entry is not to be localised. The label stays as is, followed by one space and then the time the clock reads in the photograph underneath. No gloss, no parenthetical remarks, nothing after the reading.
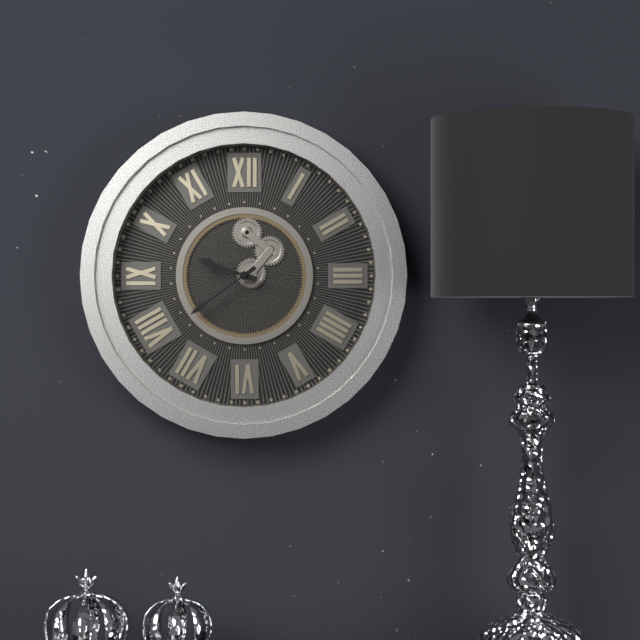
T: 9:39
